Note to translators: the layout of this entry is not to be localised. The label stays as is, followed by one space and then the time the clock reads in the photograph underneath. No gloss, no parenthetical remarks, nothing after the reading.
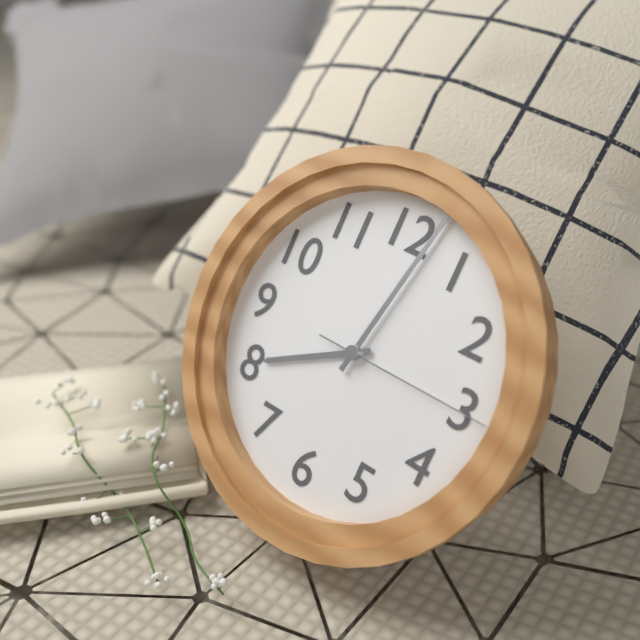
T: 8:02:15
